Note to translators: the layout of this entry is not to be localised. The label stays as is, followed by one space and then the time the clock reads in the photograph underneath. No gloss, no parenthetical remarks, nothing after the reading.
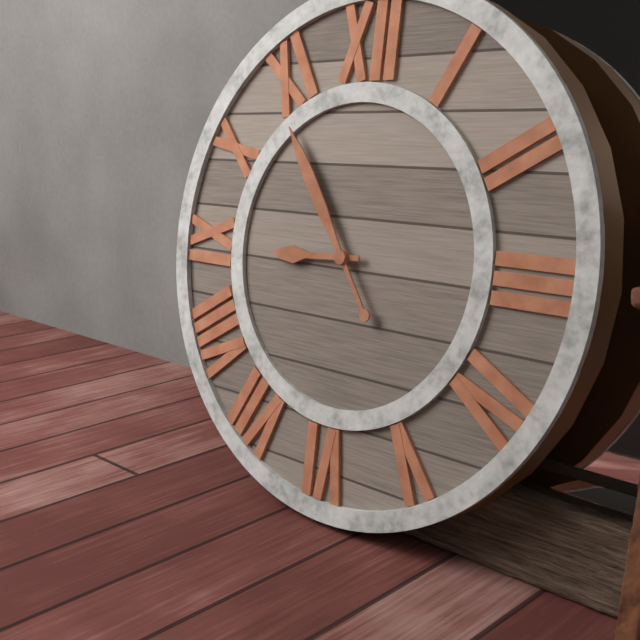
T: 8:54
